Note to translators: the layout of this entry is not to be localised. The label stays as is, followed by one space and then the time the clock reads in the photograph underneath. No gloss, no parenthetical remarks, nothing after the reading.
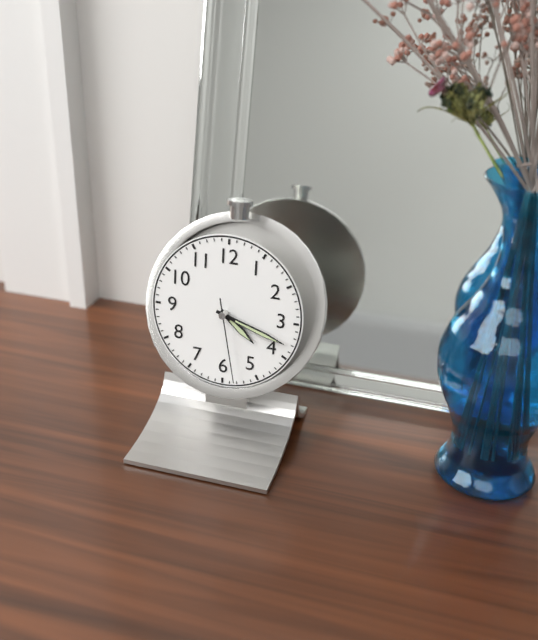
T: 4:18:28
